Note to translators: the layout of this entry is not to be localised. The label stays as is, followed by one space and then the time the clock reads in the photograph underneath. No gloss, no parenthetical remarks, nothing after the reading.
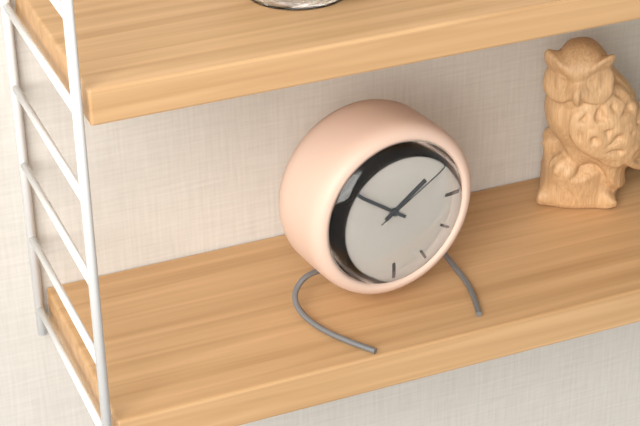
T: 1:51:10
